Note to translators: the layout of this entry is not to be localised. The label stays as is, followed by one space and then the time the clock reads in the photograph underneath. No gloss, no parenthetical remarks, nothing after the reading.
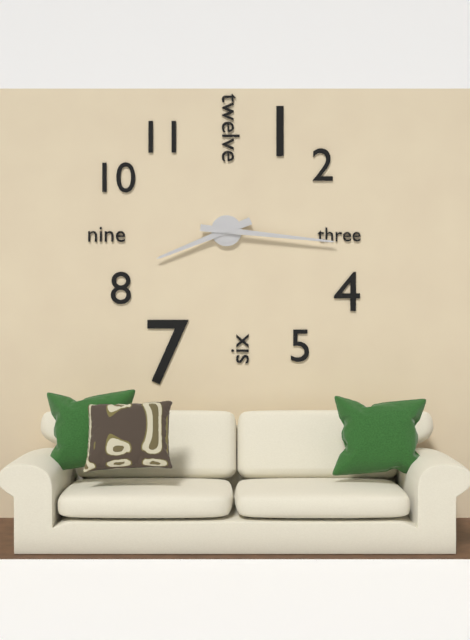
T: 8:16
